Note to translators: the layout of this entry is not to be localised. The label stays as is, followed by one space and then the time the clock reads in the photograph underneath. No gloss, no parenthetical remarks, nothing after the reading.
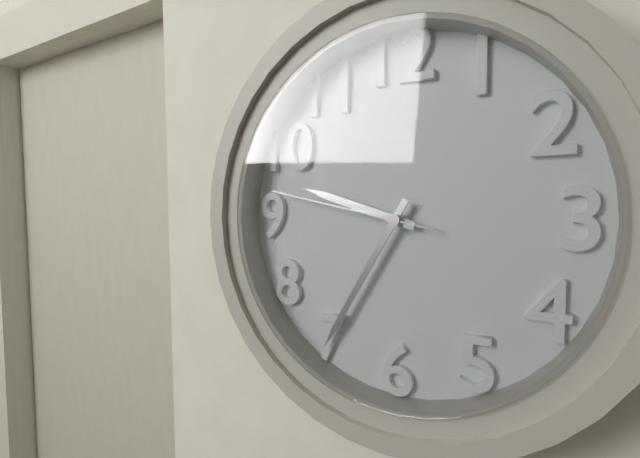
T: 9:35:47
